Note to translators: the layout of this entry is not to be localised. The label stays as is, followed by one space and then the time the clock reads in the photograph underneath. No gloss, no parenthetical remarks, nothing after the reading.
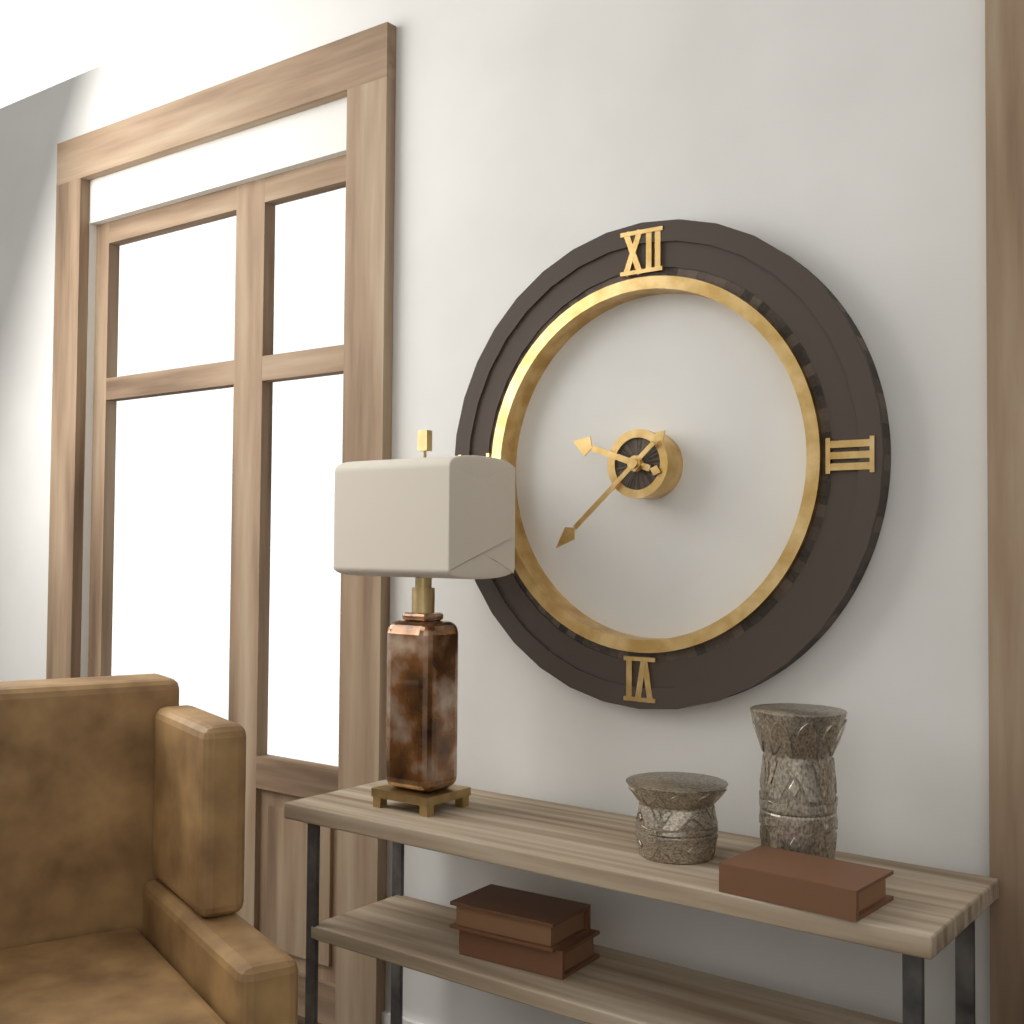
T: 9:38
